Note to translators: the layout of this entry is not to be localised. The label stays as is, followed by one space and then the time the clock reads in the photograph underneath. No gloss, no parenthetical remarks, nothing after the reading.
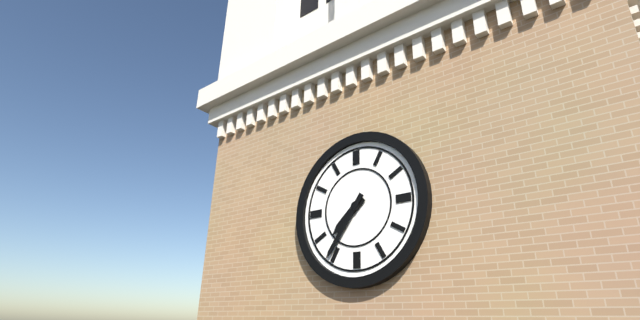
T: 7:36
